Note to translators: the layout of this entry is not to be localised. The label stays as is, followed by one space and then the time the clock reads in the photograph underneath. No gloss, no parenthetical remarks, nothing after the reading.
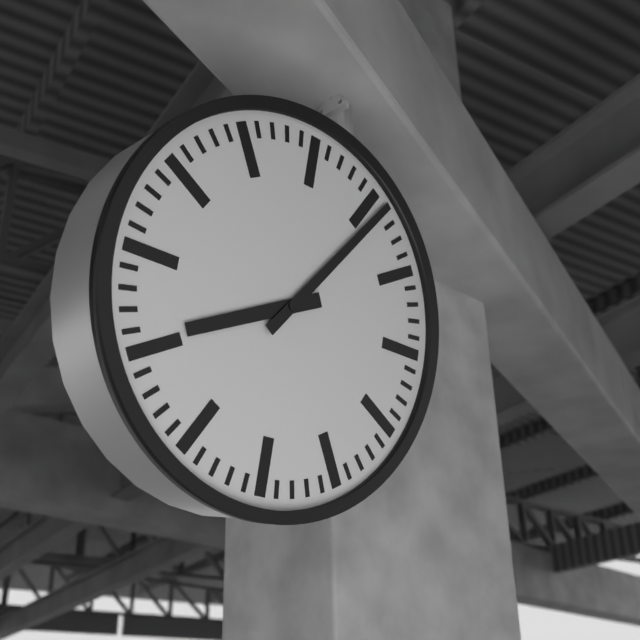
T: 8:06
